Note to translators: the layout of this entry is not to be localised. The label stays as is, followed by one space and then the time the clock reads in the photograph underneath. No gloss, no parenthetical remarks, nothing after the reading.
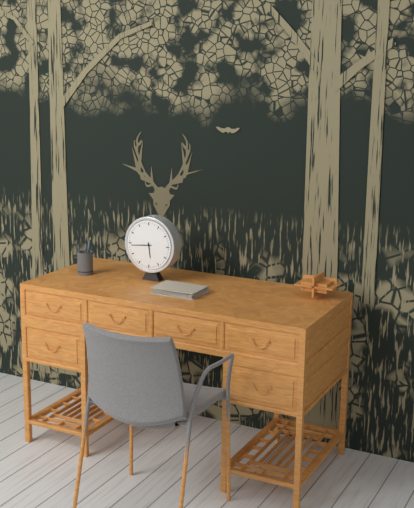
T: 5:44
